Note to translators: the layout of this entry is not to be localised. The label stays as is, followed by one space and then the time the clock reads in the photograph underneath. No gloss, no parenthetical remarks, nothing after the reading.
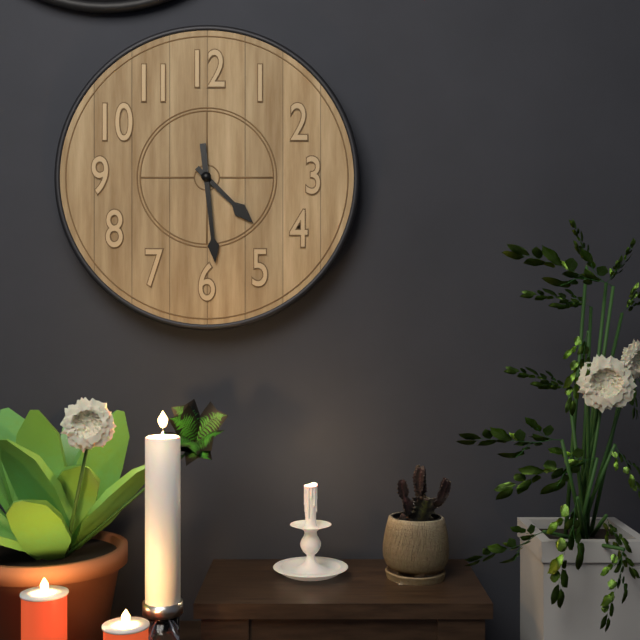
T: 4:29
